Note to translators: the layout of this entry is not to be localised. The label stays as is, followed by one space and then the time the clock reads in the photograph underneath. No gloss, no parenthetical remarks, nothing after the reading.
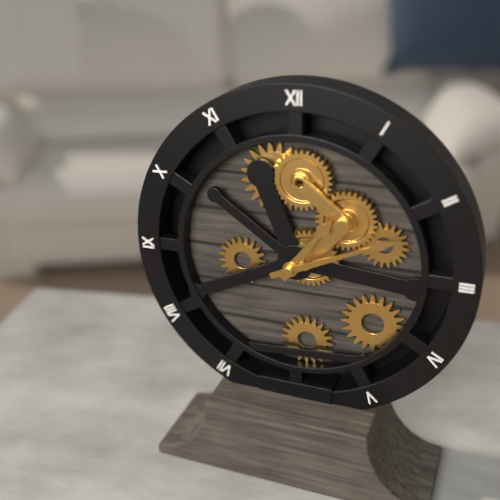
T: 1:11
